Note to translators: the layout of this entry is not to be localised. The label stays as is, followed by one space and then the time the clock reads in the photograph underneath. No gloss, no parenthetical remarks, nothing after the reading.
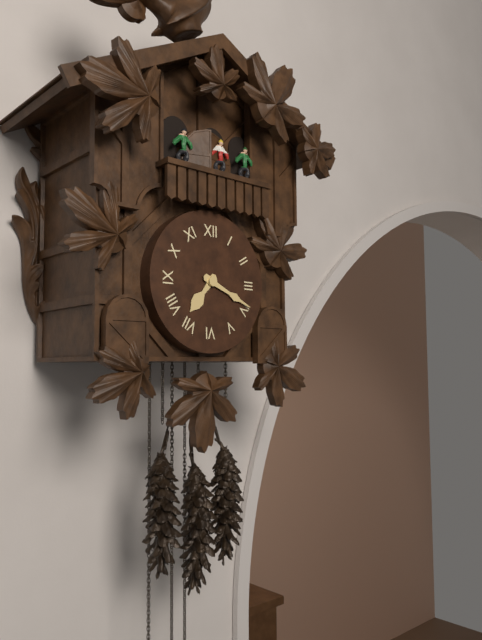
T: 7:19
